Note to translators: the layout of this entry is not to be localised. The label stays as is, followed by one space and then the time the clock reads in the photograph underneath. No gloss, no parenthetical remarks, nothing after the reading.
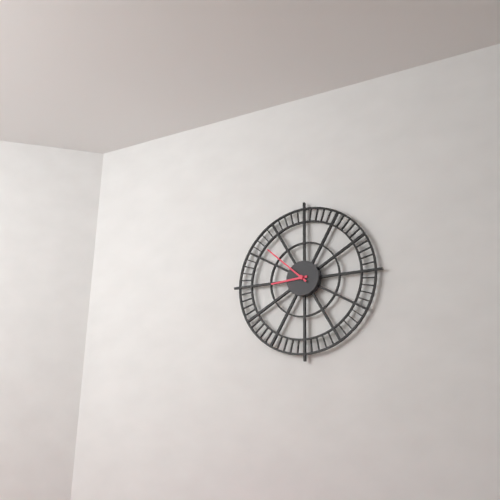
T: 8:52
